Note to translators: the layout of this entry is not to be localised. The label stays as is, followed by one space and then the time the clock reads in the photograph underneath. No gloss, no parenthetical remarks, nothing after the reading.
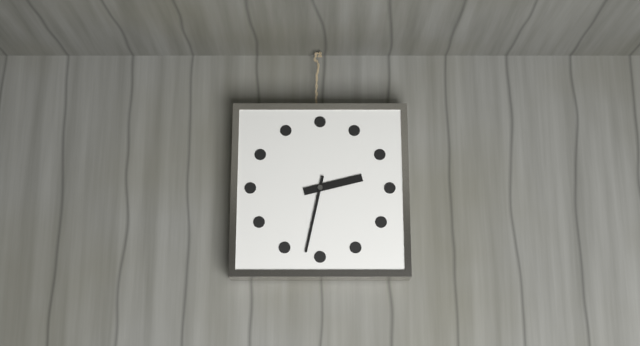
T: 2:32
